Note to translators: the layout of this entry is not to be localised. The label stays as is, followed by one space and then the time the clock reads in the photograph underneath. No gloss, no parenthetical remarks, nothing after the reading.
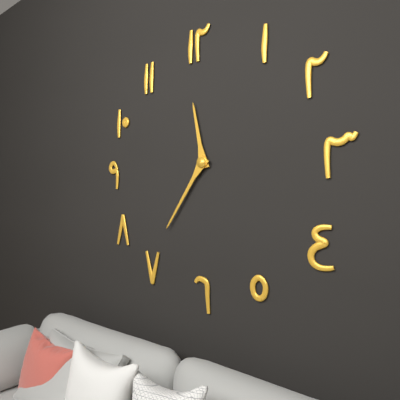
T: 11:36
